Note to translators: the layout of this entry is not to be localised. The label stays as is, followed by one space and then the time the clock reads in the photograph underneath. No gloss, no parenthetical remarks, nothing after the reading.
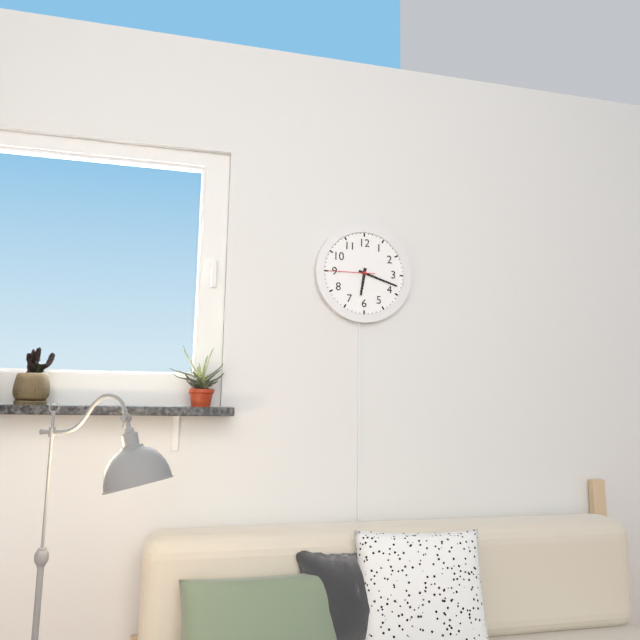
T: 6:18
